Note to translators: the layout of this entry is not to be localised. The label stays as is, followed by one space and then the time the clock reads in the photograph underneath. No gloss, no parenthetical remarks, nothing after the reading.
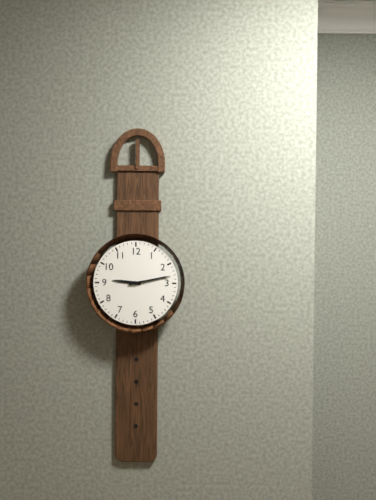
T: 9:13
